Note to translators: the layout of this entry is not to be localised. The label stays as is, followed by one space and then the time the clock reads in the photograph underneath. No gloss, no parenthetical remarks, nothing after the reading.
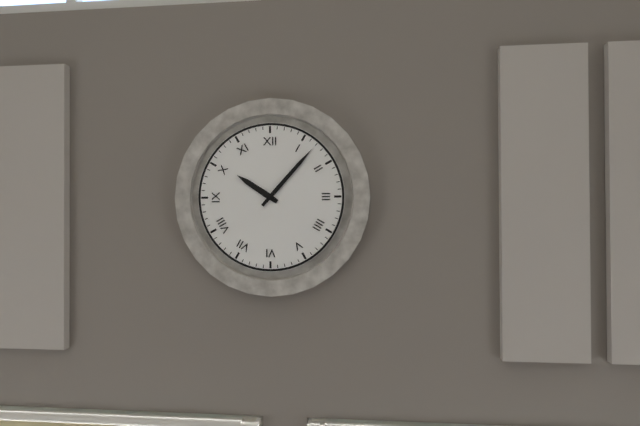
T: 10:07
